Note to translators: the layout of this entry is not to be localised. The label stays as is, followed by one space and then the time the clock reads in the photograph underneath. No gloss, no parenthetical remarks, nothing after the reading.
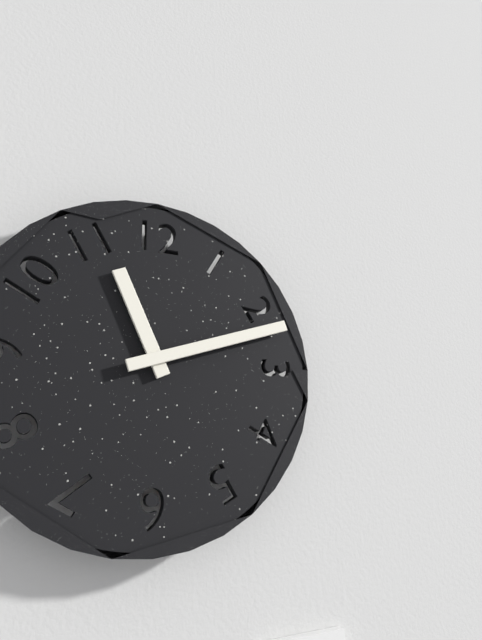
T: 11:12
